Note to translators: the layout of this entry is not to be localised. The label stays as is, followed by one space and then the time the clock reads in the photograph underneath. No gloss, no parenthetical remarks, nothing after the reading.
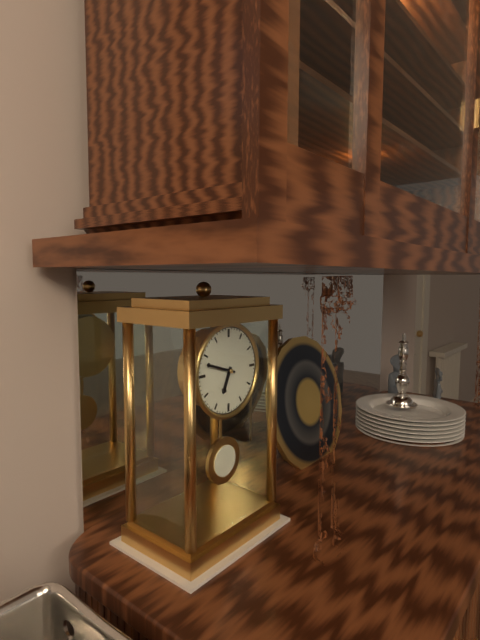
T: 6:48
